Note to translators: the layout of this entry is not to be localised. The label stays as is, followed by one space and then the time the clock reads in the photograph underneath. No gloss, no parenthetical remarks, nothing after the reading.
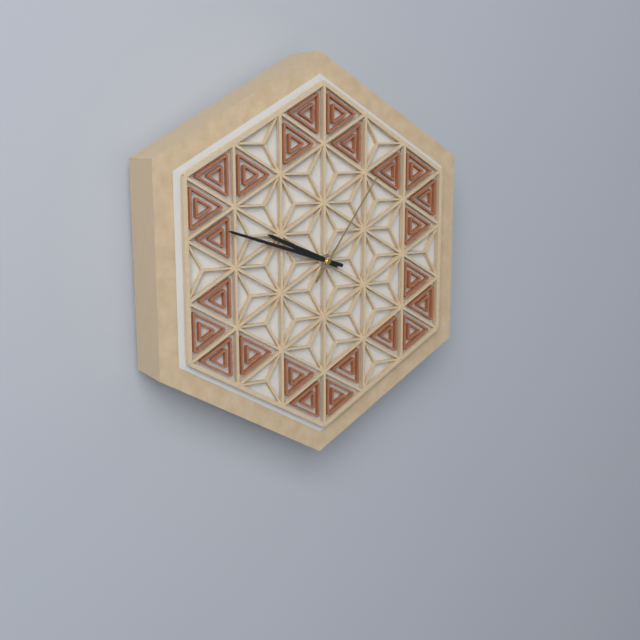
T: 9:48:06
